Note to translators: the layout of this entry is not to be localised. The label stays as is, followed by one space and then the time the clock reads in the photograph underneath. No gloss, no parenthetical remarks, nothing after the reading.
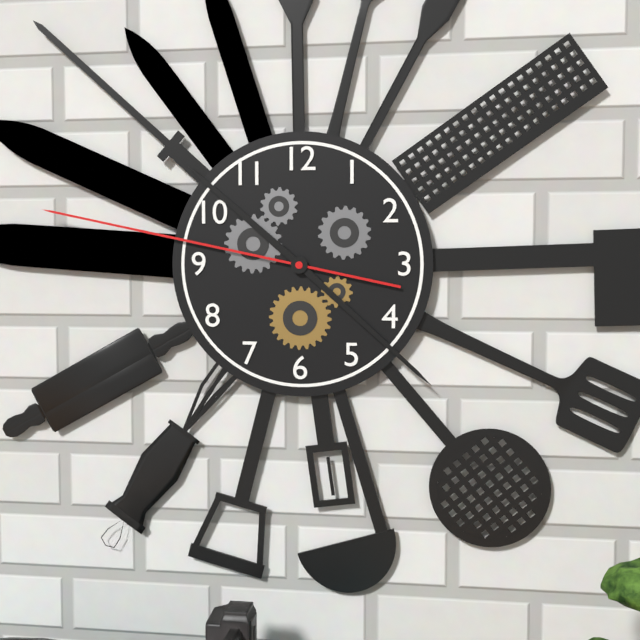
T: 10:22:47
